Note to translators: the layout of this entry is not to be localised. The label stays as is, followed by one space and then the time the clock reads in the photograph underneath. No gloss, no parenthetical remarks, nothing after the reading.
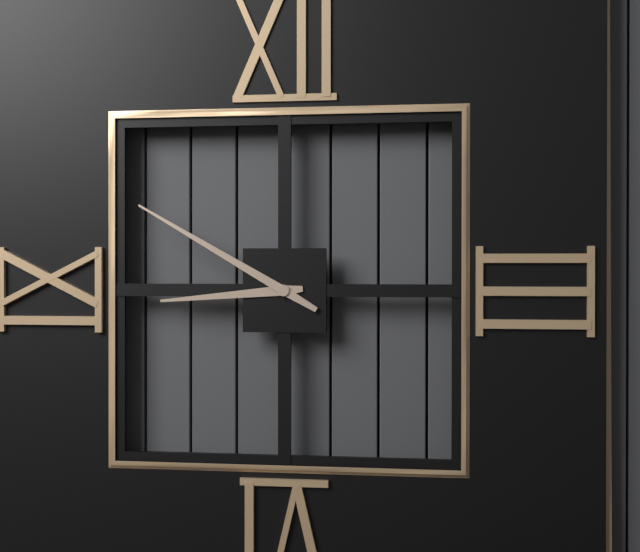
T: 8:50
